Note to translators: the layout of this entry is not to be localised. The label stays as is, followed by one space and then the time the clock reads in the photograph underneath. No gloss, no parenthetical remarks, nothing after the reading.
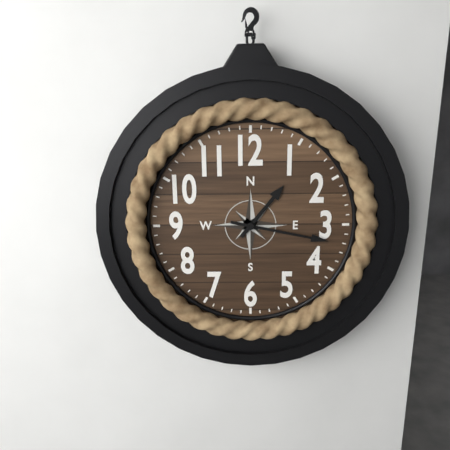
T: 1:17
